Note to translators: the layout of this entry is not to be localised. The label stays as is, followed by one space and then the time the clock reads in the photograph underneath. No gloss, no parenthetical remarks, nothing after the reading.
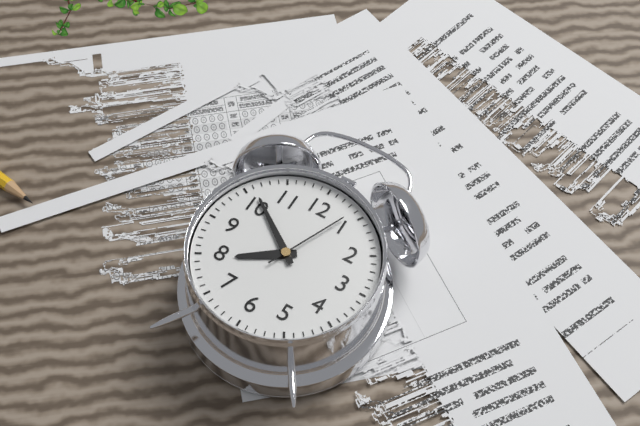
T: 7:51:04
